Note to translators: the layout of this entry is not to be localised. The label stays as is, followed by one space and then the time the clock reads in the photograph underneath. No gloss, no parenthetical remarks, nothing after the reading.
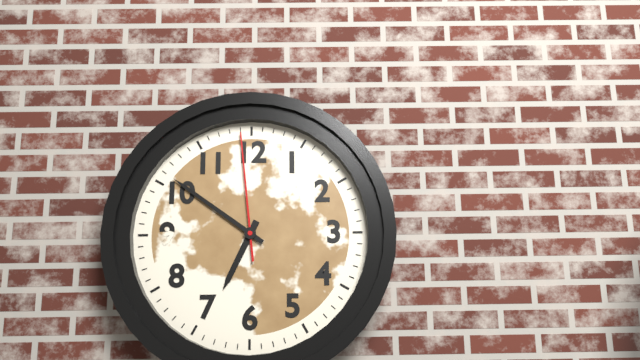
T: 6:51:59
